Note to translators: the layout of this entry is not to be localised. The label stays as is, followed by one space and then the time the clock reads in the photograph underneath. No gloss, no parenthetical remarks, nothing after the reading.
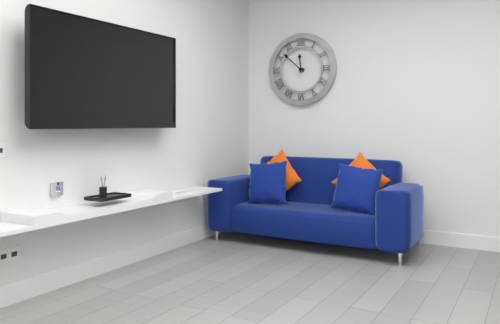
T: 11:52
